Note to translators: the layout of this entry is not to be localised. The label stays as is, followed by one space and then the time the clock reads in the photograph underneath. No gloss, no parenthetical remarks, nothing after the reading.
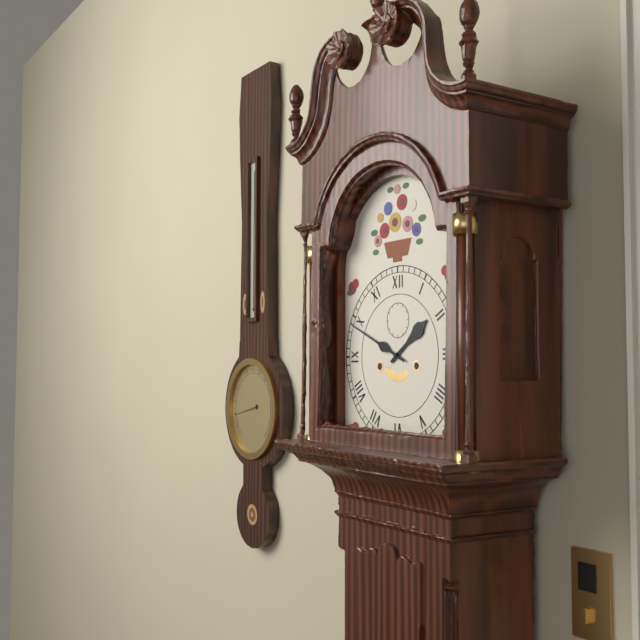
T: 1:49
